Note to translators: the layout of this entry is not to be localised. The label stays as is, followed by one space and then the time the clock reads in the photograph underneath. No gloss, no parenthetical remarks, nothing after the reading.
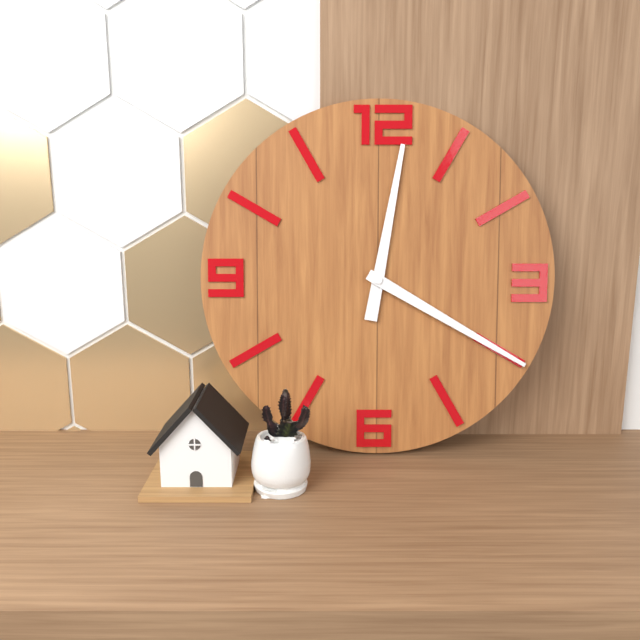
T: 12:20
